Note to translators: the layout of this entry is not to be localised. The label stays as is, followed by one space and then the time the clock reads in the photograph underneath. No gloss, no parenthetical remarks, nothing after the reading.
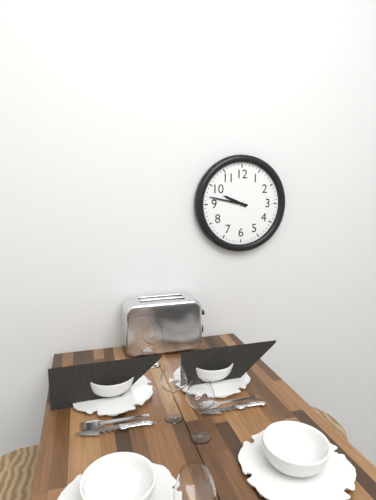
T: 9:47
